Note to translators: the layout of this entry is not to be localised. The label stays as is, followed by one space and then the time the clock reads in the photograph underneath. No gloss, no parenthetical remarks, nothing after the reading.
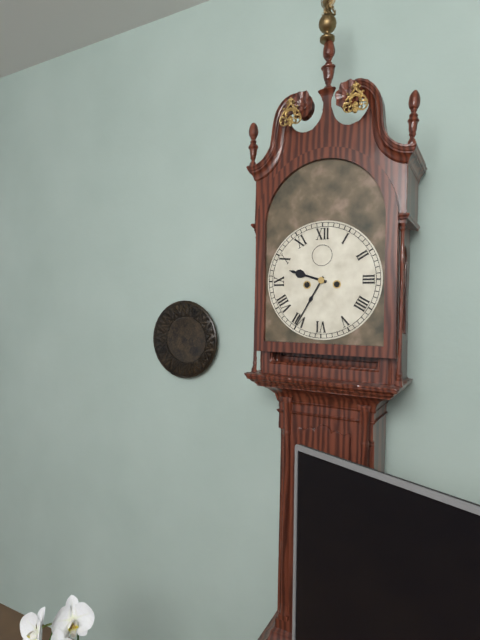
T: 9:35
